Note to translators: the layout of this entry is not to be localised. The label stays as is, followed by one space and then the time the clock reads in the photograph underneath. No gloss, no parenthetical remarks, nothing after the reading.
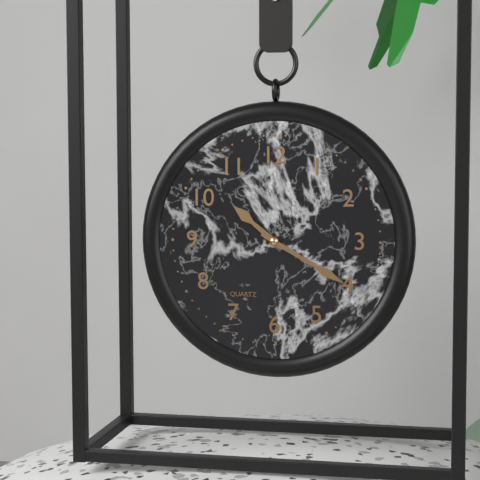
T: 10:20
